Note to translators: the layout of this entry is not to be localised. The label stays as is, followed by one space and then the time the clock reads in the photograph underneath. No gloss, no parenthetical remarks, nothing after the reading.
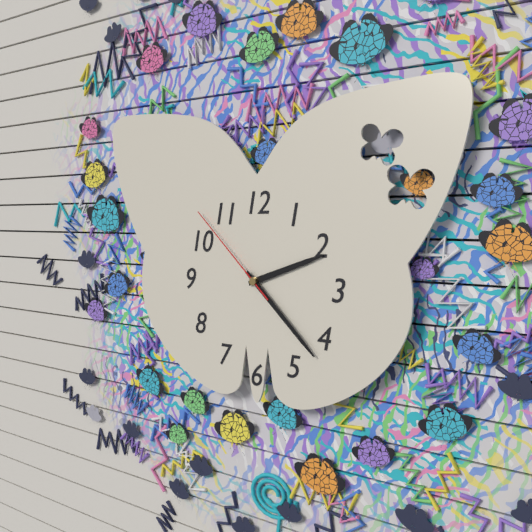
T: 2:22:52
